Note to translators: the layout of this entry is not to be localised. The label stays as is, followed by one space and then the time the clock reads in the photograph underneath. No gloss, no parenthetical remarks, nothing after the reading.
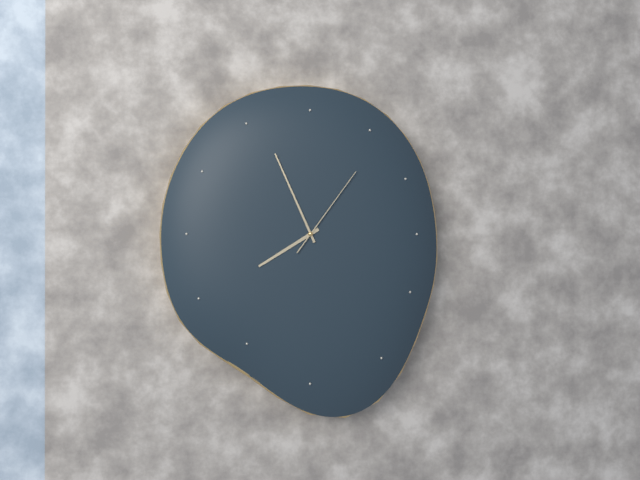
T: 7:56:06
